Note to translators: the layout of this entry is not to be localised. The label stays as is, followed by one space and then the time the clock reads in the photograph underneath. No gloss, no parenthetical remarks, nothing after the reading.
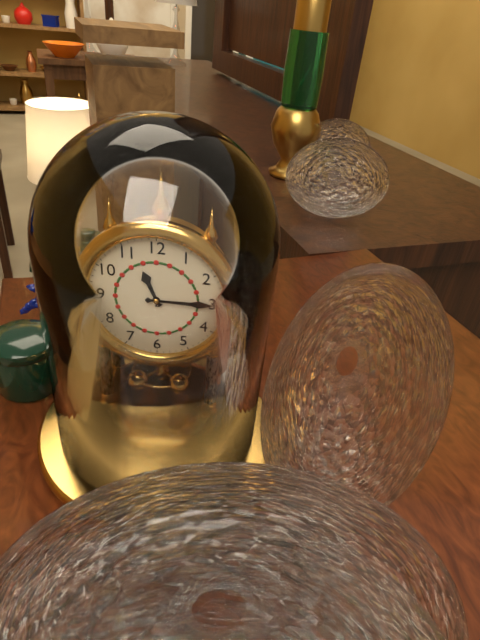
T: 11:15
